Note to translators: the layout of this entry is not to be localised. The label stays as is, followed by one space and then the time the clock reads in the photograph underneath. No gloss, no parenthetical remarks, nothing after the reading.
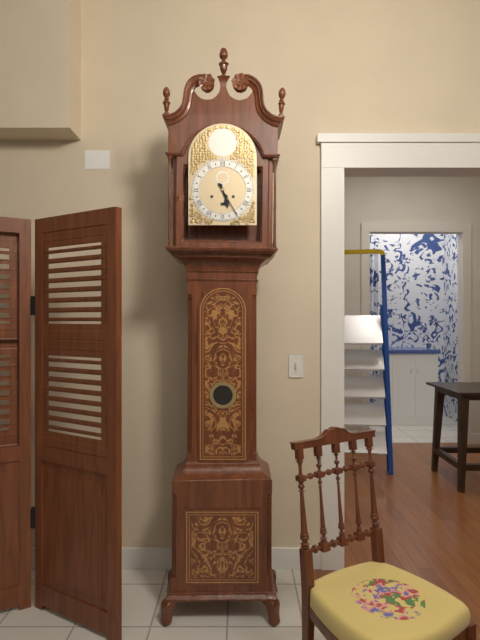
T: 5:25
